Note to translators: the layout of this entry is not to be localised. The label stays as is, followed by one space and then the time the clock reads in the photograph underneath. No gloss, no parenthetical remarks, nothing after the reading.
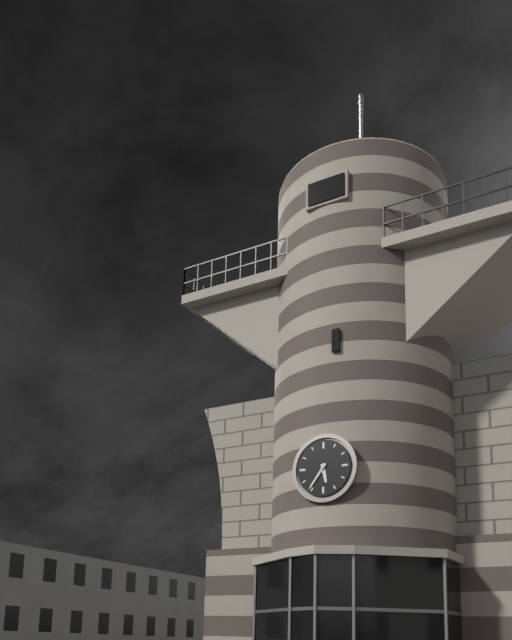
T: 5:36
